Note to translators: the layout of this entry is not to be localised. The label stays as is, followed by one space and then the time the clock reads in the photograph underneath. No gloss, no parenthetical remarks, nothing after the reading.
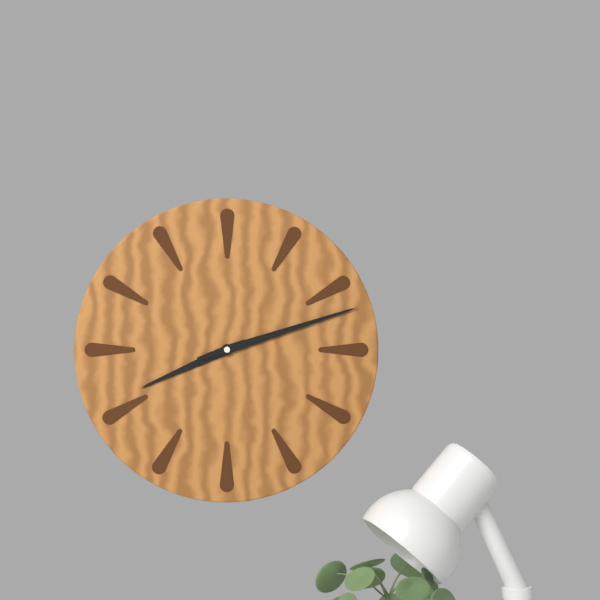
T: 8:12
